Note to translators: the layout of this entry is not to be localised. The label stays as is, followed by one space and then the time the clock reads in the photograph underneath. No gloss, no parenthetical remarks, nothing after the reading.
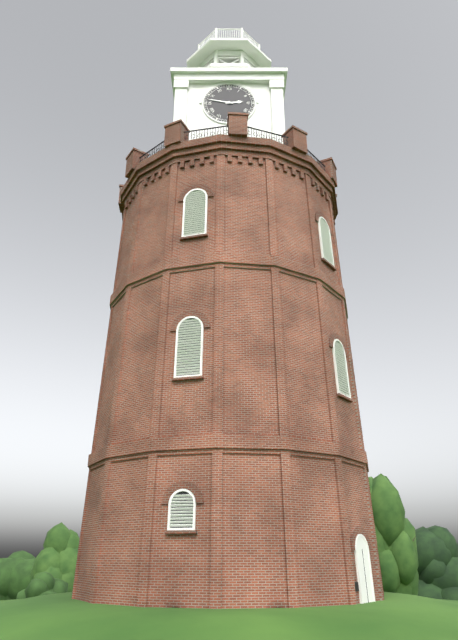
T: 2:47
